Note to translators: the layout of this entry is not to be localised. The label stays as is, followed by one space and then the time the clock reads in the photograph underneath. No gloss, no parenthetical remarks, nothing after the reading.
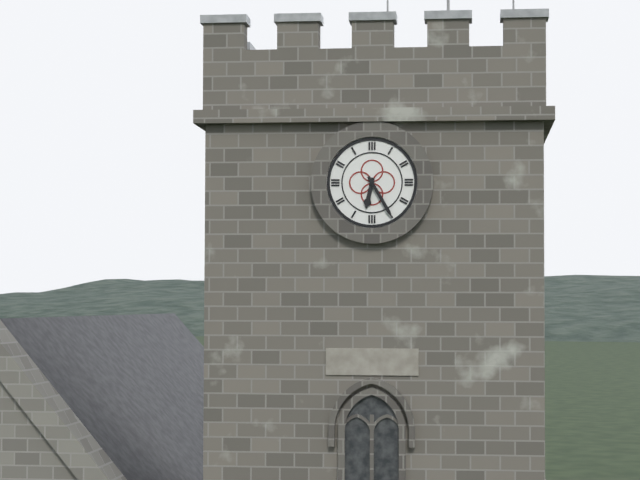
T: 6:25
